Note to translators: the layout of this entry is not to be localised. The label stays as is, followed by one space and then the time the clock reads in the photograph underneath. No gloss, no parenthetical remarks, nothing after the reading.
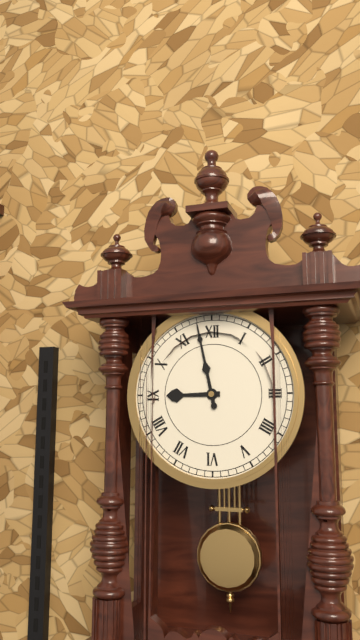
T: 8:58
